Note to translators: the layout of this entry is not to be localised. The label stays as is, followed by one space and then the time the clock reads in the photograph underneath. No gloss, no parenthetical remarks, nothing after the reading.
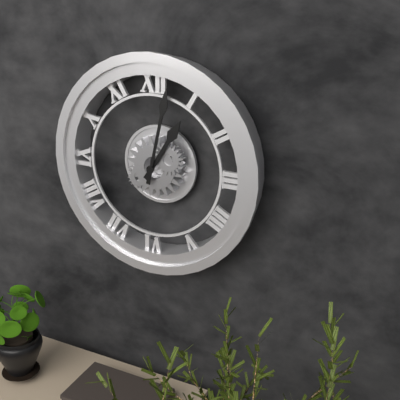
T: 1:02
